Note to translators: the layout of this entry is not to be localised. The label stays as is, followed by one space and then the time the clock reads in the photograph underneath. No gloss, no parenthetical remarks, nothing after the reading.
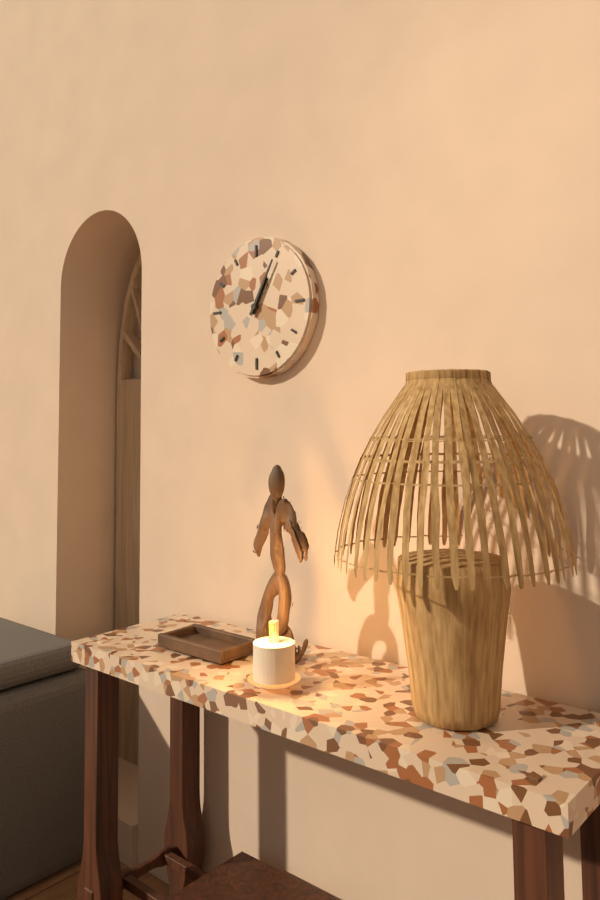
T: 1:05
